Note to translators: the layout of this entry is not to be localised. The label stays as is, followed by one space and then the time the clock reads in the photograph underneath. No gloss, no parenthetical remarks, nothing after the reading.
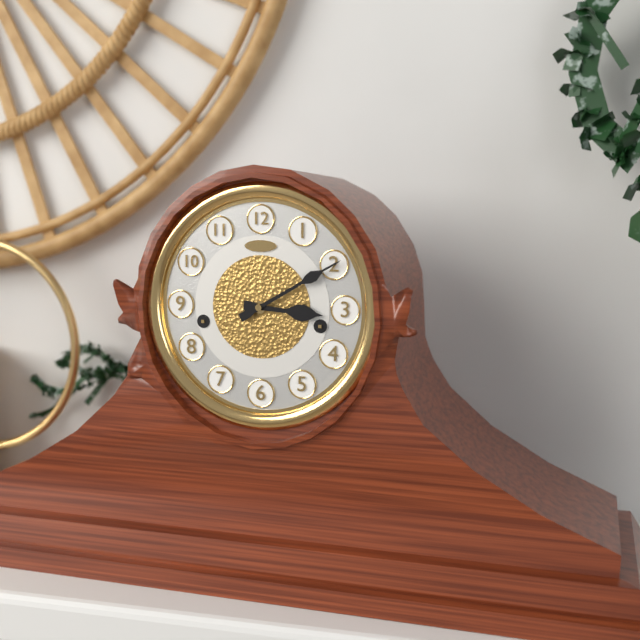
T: 3:10
